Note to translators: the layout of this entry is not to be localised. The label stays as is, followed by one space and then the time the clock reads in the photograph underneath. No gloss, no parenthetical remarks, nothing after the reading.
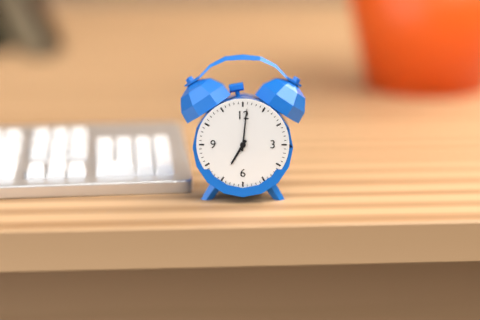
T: 7:01
